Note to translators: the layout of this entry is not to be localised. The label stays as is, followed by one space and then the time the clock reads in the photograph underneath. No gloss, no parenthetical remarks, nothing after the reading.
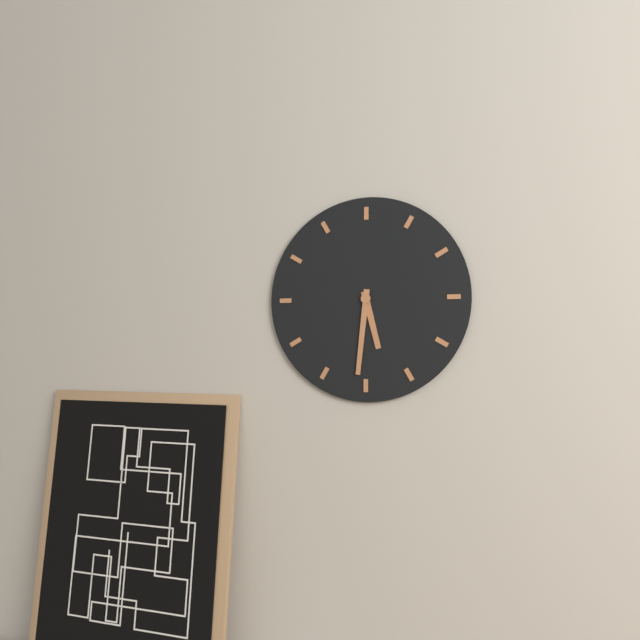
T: 5:31
